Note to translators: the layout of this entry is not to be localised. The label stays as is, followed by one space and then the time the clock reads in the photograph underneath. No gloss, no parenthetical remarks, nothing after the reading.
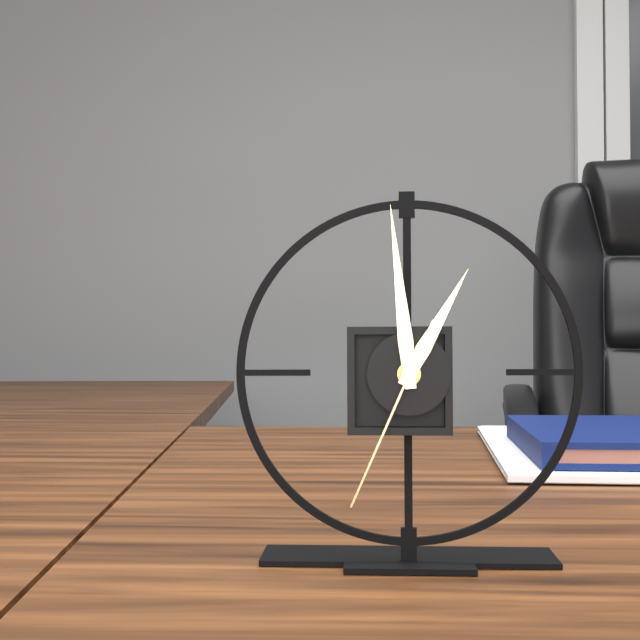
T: 12:59:34
